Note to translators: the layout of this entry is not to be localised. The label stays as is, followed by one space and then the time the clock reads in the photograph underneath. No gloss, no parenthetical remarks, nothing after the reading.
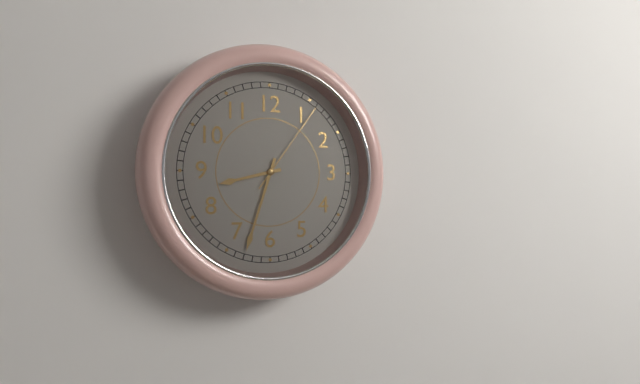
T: 8:33:06
